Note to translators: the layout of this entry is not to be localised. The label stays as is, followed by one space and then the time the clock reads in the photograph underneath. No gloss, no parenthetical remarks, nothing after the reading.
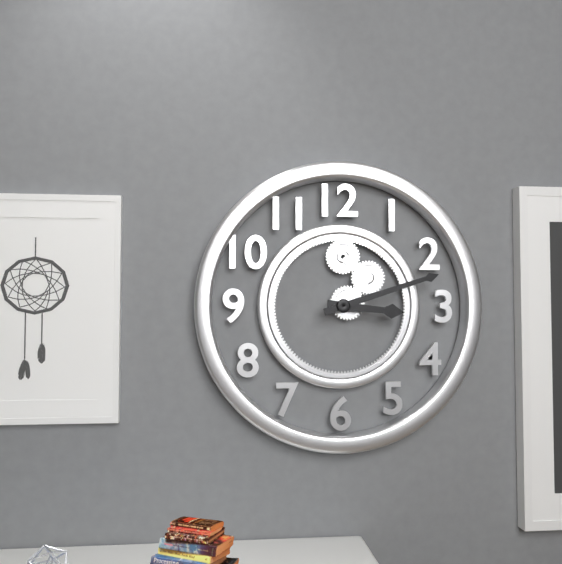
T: 3:12
